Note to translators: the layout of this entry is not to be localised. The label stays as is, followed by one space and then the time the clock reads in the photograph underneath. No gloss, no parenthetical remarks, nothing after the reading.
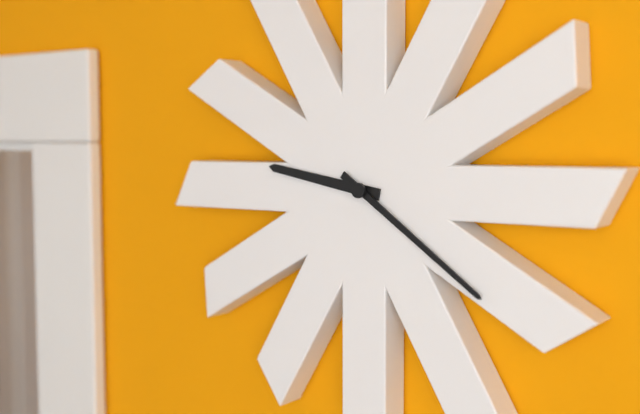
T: 9:21
